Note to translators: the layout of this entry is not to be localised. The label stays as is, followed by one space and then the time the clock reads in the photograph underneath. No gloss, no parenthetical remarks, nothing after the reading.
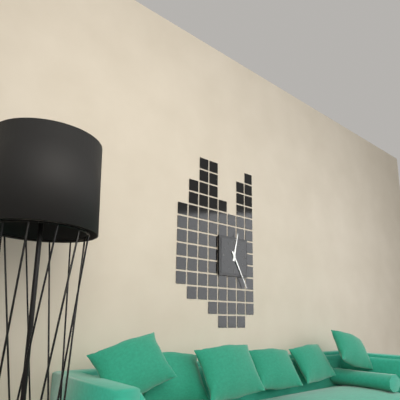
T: 12:25
